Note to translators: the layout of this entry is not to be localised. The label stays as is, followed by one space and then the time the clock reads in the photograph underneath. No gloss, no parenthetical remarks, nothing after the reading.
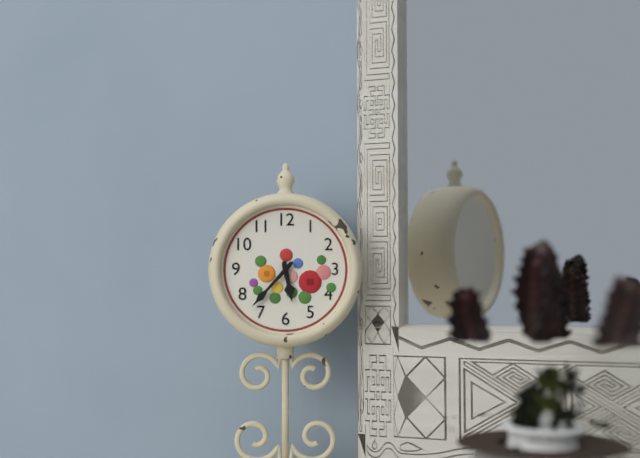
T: 5:37
